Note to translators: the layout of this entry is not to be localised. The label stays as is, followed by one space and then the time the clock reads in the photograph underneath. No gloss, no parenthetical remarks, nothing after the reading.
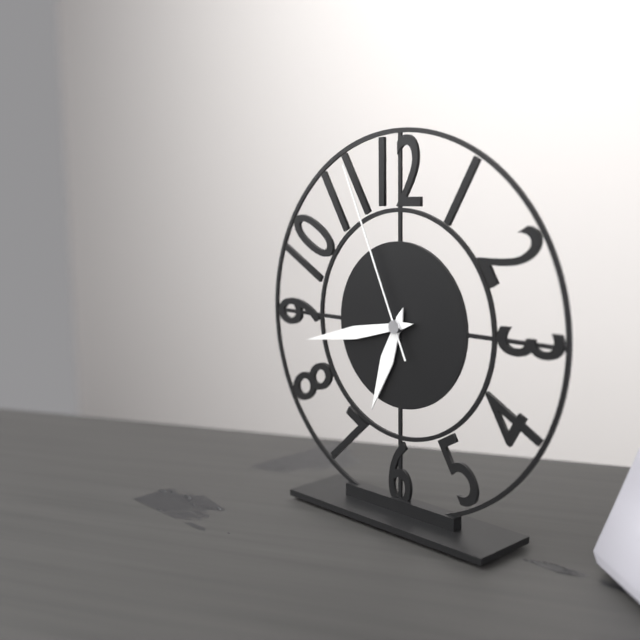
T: 6:43:56
